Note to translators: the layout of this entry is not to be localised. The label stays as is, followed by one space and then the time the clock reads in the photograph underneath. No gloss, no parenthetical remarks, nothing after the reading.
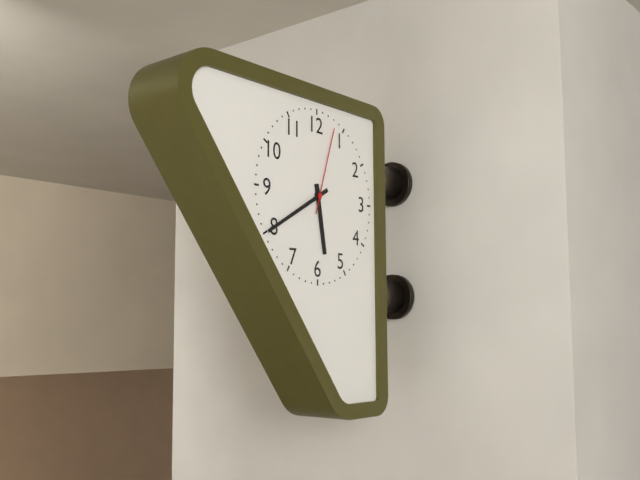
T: 5:40:03
